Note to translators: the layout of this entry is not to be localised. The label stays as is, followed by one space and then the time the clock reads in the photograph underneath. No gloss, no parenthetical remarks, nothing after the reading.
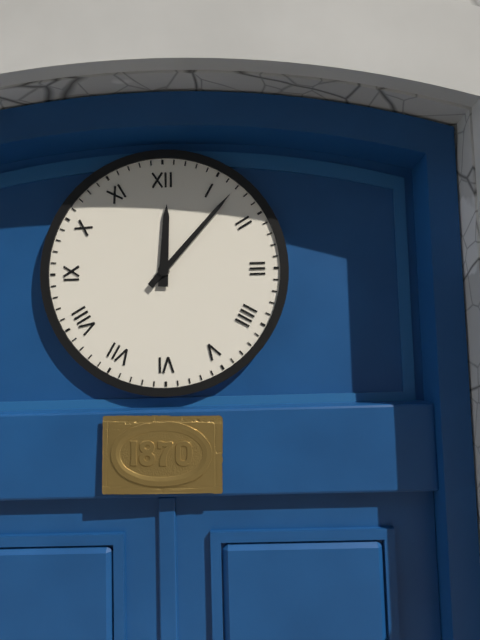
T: 12:07
